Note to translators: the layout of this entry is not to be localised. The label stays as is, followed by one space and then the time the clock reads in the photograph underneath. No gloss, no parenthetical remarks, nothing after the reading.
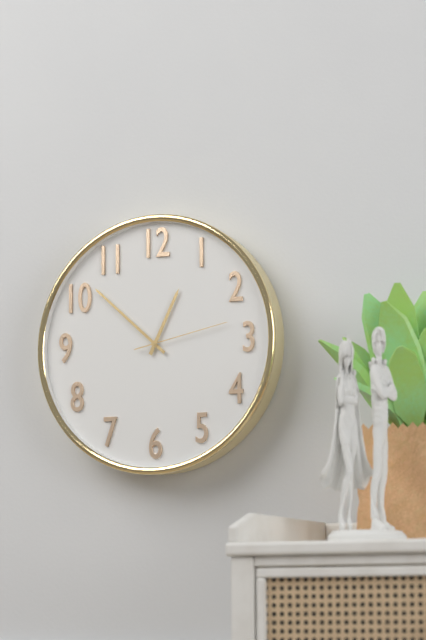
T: 12:52:13
